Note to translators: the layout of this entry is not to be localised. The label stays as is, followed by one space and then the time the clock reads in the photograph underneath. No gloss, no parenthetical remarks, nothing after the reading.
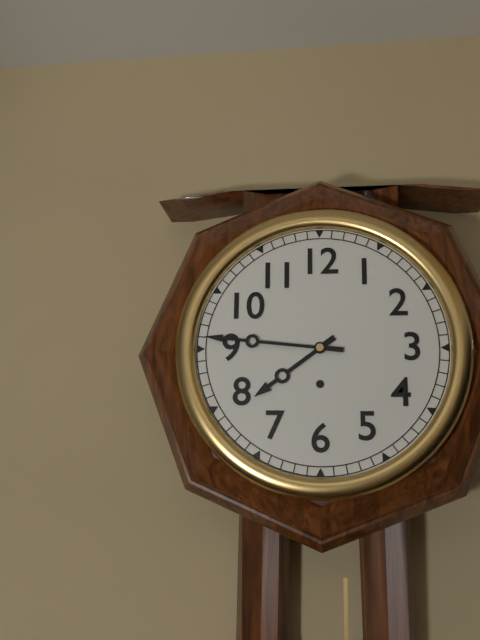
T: 7:46
